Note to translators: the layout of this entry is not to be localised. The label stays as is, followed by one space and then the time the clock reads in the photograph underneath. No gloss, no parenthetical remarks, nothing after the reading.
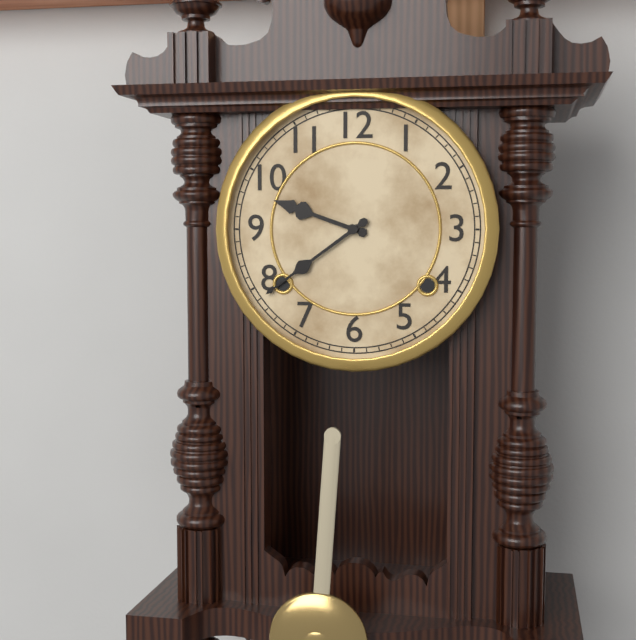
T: 9:39
